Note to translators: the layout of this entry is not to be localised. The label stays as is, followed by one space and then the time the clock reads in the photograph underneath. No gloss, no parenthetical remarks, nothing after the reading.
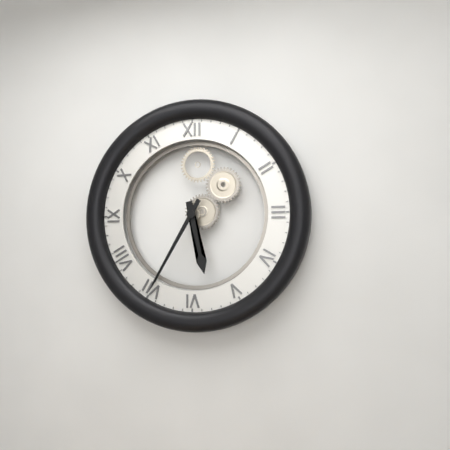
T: 5:35
